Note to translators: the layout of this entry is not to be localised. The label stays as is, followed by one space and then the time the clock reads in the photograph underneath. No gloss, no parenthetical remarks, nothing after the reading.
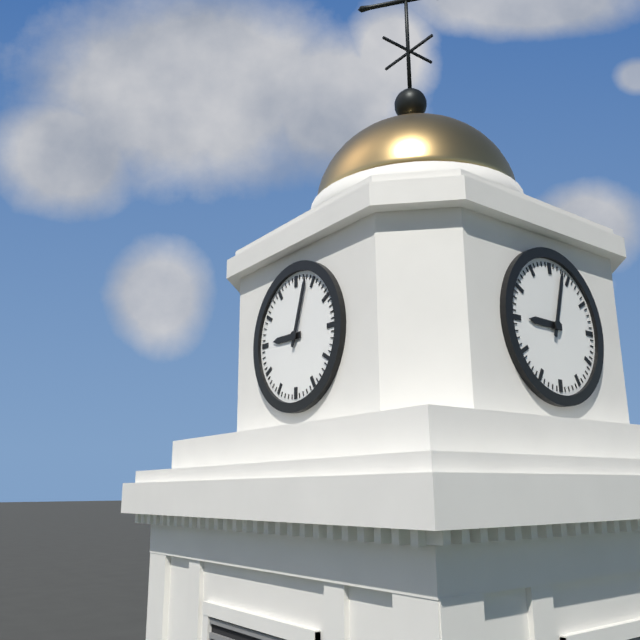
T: 9:03
